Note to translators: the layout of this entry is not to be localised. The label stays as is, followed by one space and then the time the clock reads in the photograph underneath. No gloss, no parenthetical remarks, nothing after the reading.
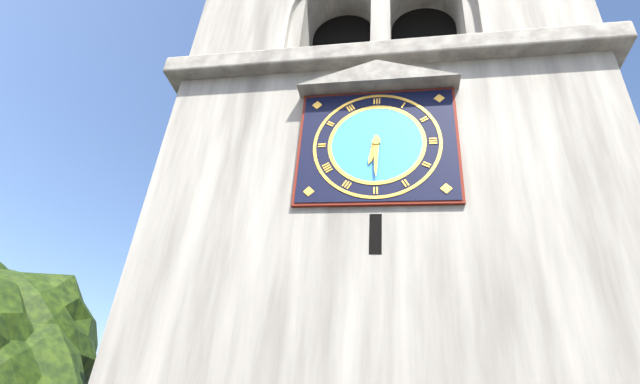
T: 6:30
